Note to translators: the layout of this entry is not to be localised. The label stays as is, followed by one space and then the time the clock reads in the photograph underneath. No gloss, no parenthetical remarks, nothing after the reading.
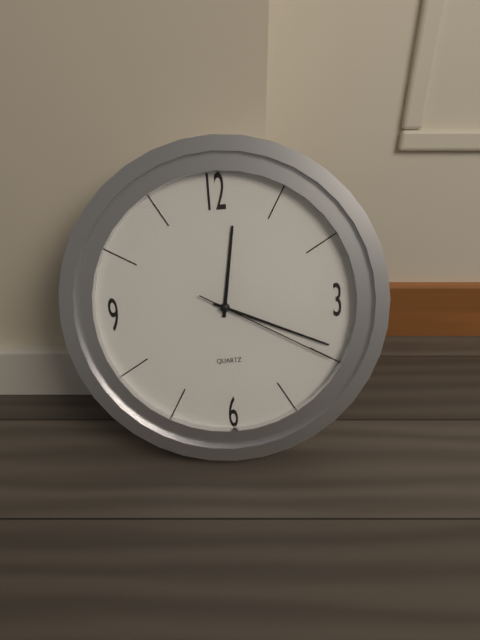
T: 12:19:20
